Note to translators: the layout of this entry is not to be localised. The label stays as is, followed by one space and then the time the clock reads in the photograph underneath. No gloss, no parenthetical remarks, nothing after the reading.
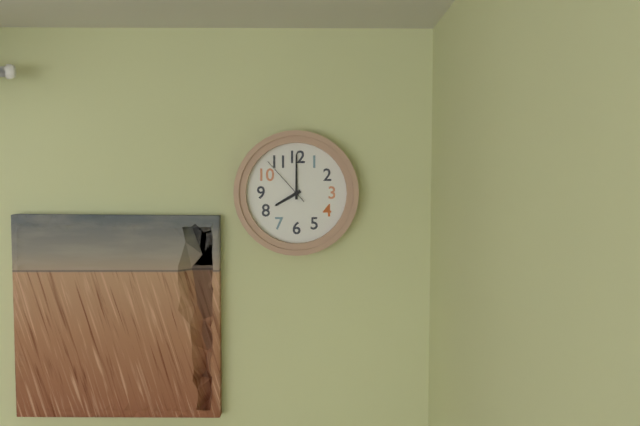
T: 8:00:53
